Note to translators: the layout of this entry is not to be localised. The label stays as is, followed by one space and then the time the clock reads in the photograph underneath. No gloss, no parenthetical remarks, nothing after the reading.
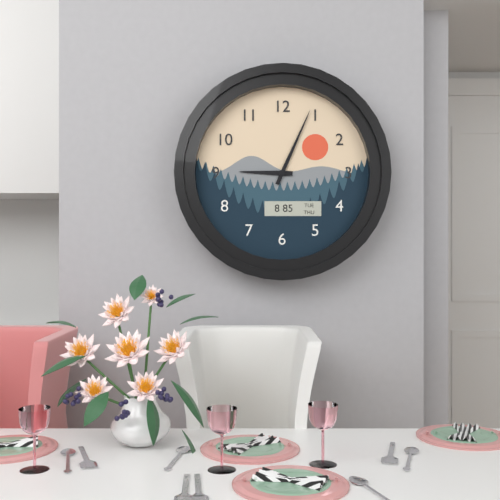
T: 9:04
